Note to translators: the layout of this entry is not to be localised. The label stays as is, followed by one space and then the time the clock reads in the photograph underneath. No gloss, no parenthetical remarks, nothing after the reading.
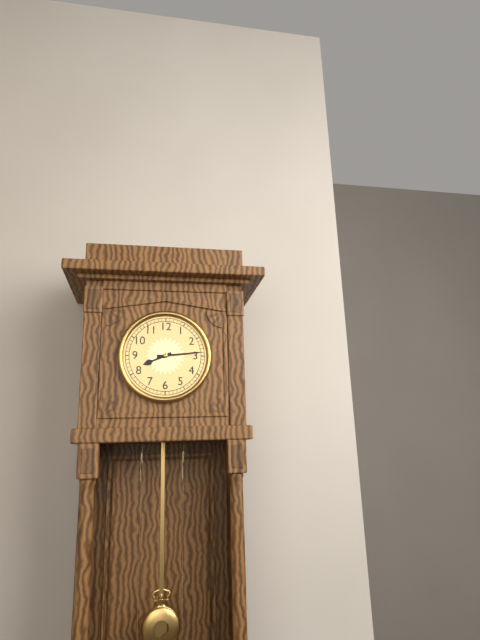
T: 8:14
